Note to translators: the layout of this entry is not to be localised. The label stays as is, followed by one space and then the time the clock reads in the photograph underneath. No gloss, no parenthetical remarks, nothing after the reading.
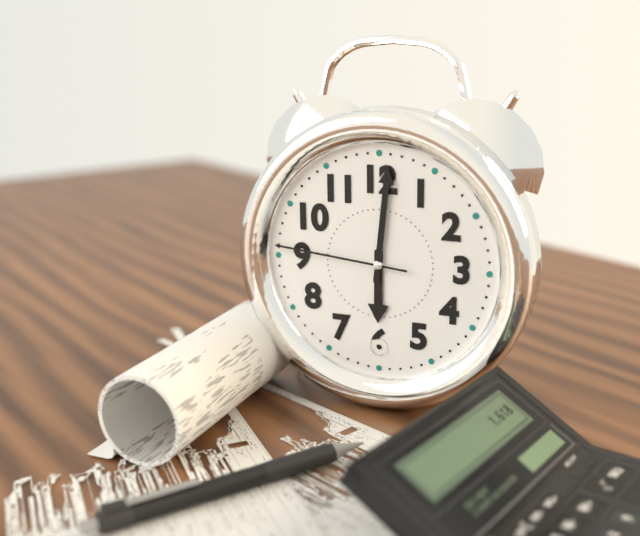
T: 6:01:46
